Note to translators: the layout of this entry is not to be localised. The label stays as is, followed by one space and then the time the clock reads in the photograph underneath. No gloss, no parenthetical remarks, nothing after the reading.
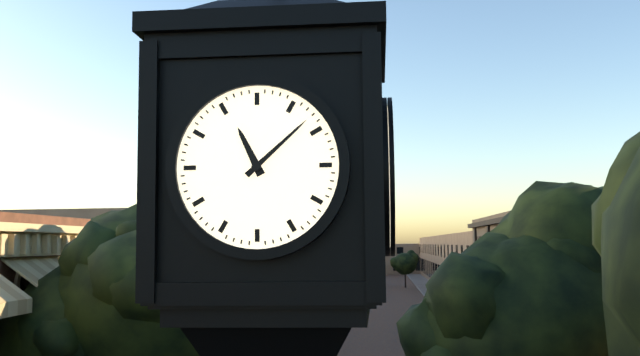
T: 11:08
